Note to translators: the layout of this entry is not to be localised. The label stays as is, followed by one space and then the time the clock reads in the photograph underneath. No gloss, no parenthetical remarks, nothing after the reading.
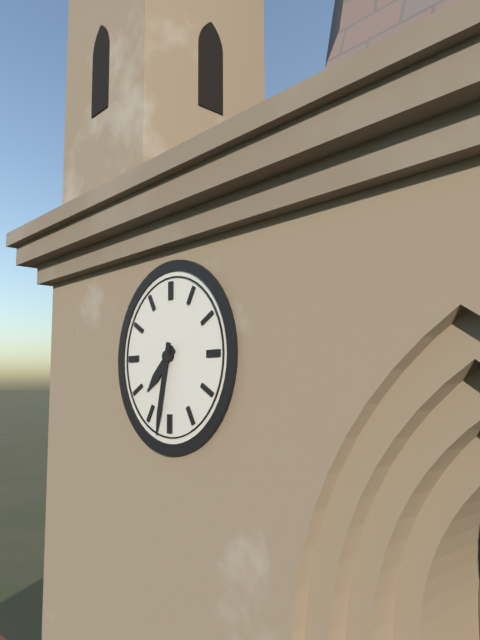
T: 7:32
